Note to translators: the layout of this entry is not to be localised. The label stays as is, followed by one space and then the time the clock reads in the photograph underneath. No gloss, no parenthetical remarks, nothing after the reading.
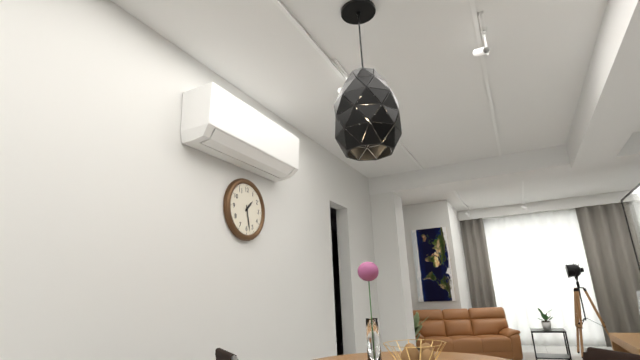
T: 1:28
